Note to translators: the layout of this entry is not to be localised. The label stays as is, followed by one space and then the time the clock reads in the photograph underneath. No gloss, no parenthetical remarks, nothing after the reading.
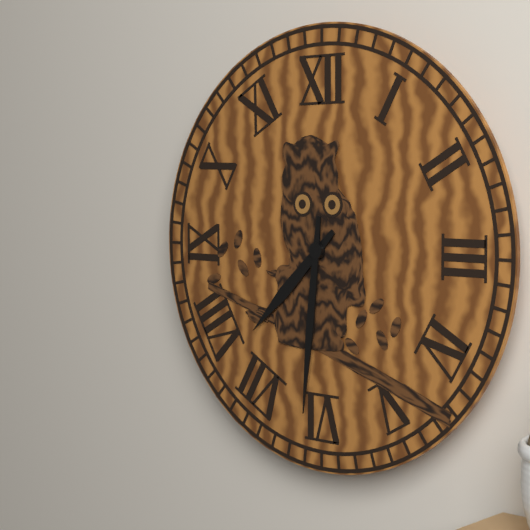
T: 7:31
